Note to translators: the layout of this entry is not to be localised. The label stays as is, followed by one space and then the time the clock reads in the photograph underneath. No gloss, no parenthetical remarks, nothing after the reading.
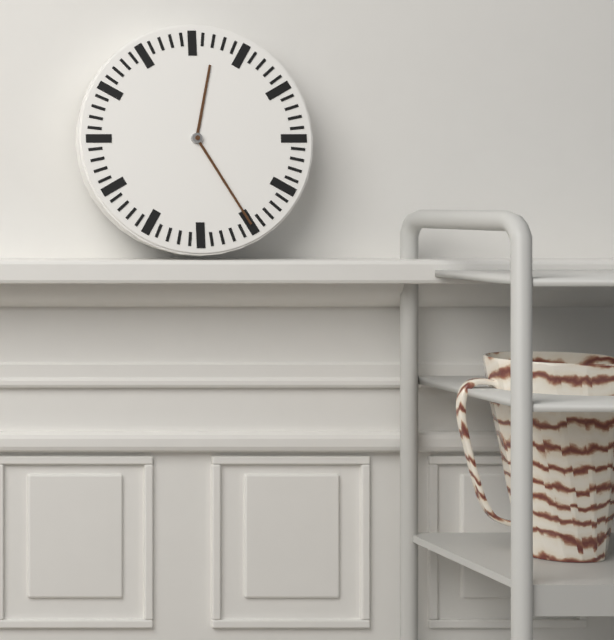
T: 12:25
